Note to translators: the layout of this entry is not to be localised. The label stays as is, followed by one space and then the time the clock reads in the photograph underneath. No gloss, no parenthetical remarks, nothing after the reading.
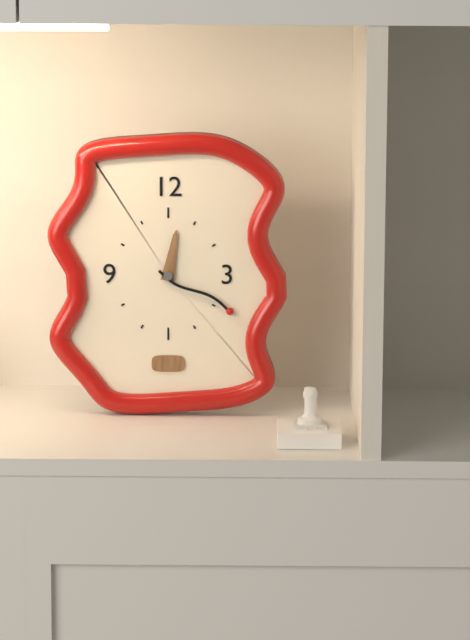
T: 12:20
